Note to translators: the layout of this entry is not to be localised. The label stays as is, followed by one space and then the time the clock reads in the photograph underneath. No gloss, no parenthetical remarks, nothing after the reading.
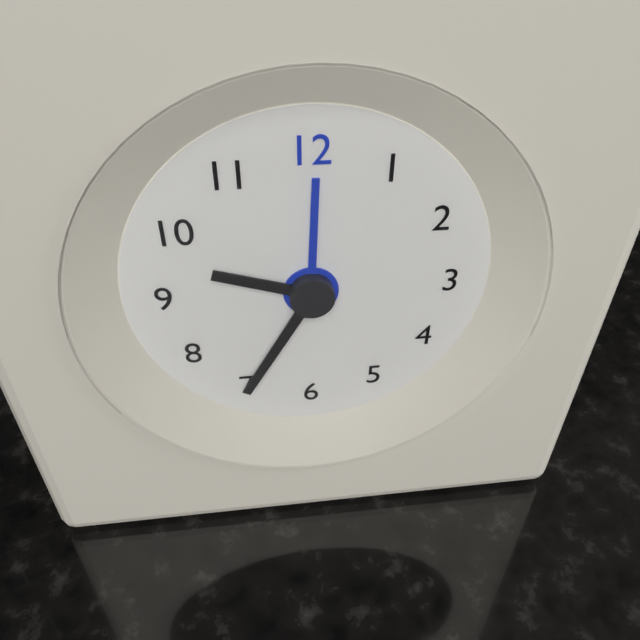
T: 9:35
